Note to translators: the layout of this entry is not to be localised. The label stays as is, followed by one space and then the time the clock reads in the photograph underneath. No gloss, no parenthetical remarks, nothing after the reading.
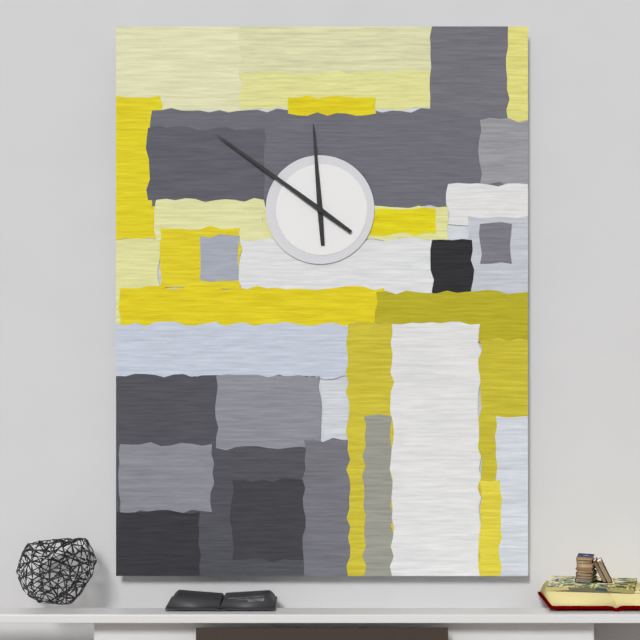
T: 11:51
